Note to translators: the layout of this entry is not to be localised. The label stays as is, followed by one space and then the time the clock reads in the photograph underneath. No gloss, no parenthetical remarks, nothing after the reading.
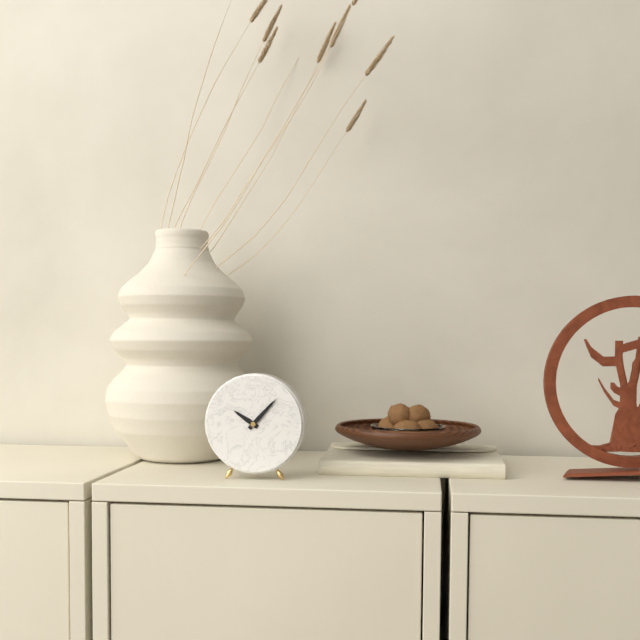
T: 10:07
